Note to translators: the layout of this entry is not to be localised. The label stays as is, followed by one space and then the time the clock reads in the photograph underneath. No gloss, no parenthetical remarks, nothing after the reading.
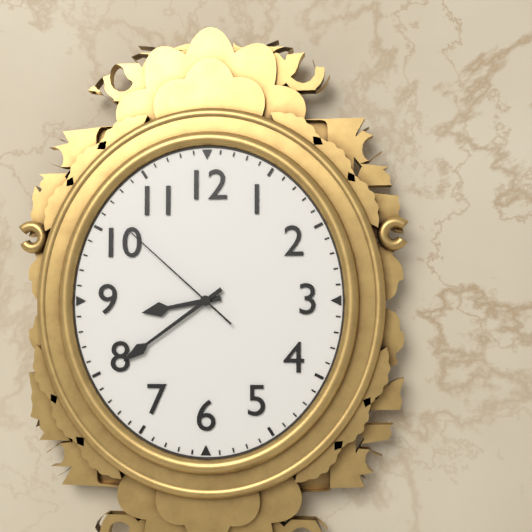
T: 8:39:52
